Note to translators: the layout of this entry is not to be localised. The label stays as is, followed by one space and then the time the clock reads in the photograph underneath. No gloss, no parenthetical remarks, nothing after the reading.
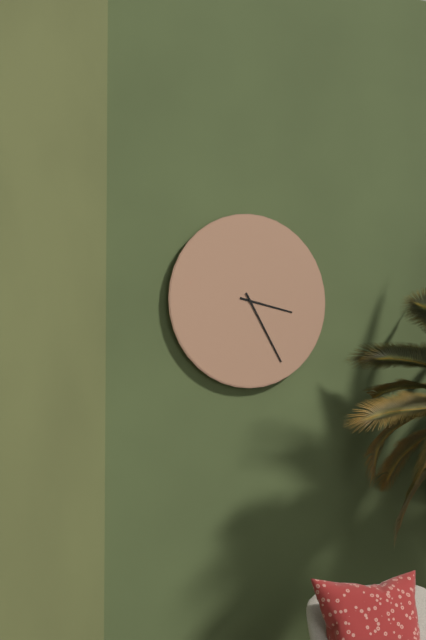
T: 3:25
